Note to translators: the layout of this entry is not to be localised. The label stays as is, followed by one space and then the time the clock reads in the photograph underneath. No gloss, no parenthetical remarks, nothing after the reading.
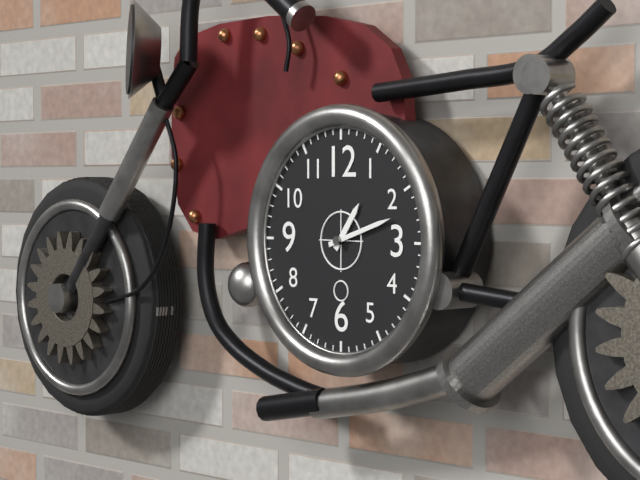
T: 1:12
